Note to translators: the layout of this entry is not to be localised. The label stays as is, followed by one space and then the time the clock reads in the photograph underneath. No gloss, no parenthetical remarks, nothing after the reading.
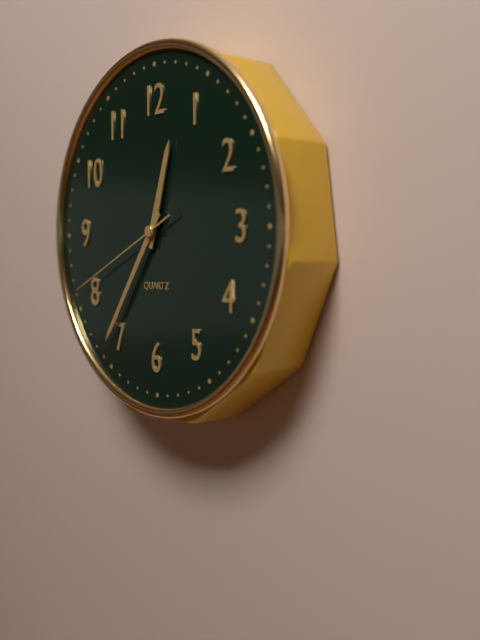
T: 12:36:41
